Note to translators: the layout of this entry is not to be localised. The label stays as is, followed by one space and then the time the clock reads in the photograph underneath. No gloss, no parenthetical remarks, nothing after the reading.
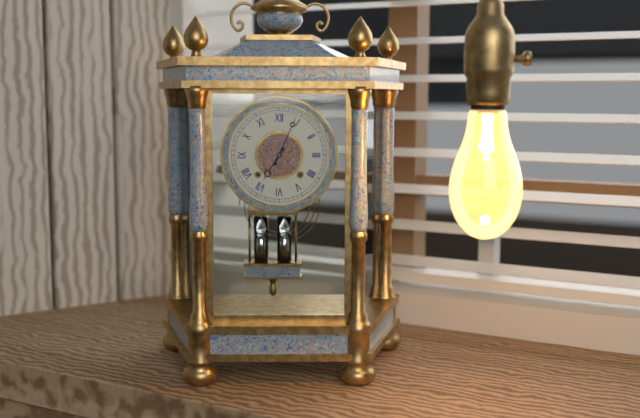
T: 7:04
